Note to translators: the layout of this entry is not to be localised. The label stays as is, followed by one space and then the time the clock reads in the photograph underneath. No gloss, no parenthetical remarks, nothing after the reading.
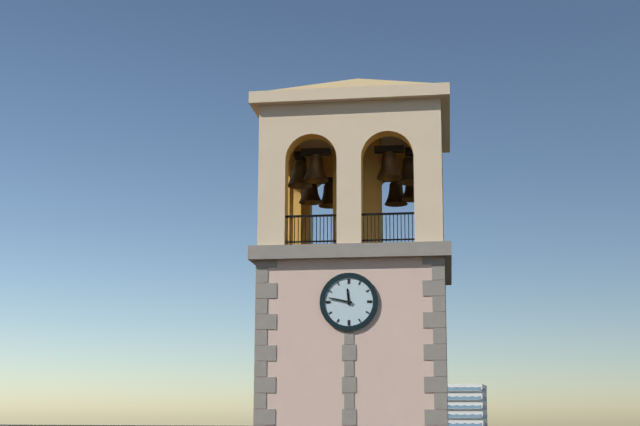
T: 11:47
